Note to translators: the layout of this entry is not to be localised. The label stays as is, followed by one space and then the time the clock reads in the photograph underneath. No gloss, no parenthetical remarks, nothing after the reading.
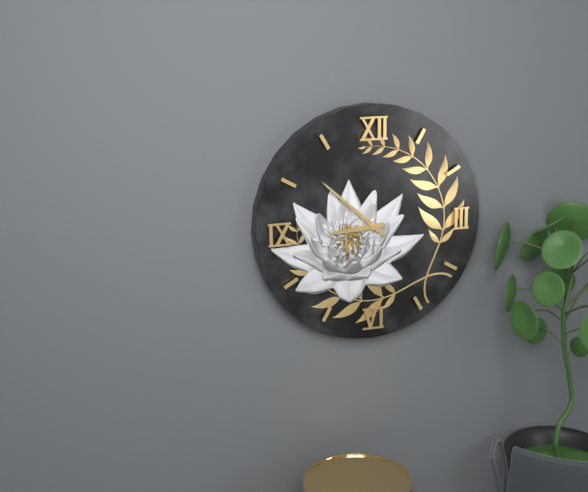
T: 8:52
